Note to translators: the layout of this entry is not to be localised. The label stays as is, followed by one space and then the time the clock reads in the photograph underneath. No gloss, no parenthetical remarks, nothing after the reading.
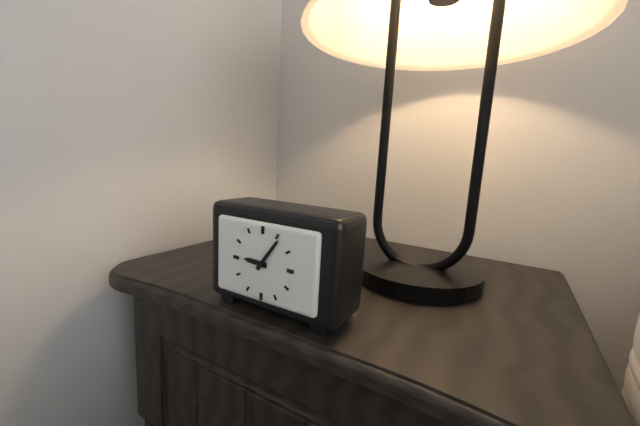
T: 9:06
